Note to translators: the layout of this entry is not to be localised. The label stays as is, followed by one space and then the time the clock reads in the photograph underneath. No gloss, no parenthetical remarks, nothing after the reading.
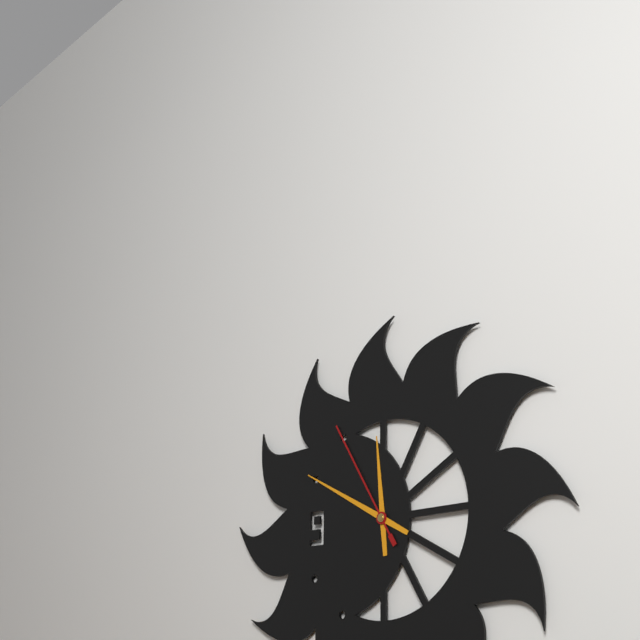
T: 11:50:55
